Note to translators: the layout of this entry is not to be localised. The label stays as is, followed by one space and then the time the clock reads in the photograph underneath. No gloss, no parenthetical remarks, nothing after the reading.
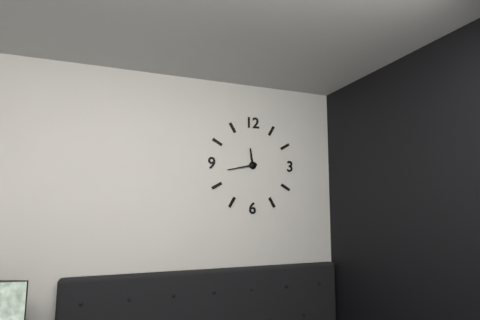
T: 11:43
